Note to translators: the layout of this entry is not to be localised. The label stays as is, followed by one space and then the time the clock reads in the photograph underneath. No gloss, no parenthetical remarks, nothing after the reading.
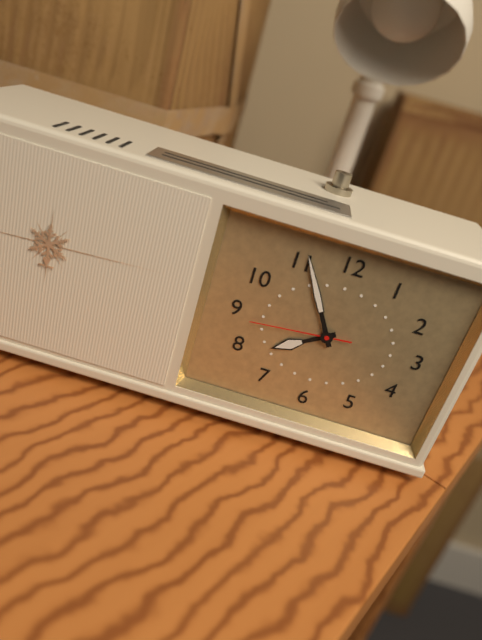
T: 7:55:44
